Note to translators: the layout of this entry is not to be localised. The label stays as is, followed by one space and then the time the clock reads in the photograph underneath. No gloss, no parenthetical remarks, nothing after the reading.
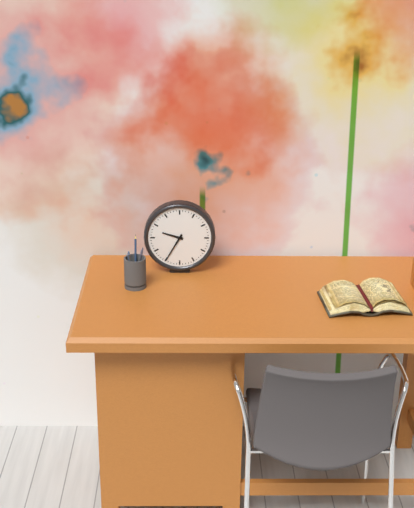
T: 9:35
